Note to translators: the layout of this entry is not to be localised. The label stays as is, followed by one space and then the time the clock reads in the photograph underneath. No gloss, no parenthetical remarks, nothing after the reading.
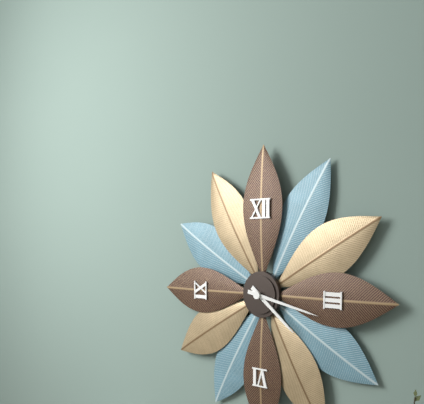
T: 4:17
